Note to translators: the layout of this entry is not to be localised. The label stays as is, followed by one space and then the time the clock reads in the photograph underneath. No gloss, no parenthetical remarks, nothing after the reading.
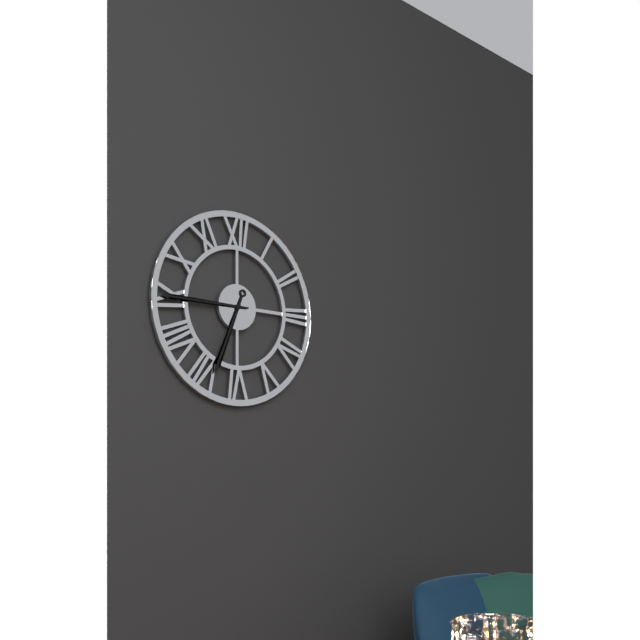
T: 6:45
